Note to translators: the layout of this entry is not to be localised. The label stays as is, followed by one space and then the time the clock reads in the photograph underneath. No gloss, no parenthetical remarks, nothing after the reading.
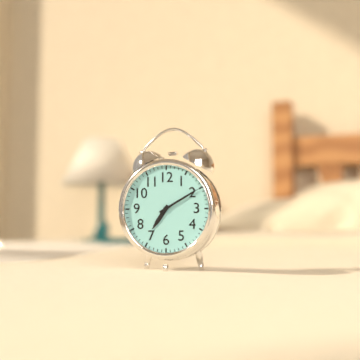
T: 7:10
